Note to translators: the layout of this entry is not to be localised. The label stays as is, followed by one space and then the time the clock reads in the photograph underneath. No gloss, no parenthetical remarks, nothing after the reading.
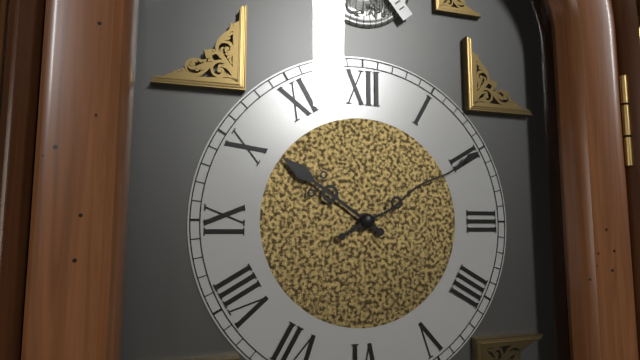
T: 10:10
